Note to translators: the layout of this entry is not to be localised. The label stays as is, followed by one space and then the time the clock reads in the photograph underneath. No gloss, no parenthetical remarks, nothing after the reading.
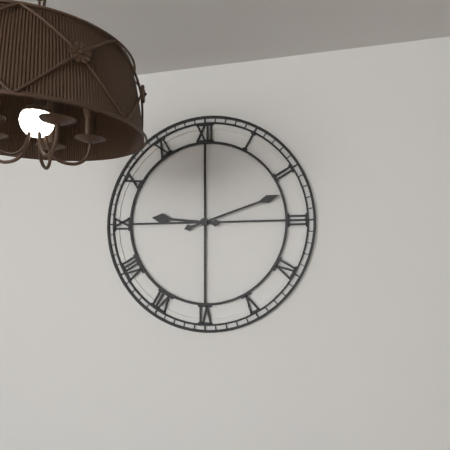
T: 9:12
